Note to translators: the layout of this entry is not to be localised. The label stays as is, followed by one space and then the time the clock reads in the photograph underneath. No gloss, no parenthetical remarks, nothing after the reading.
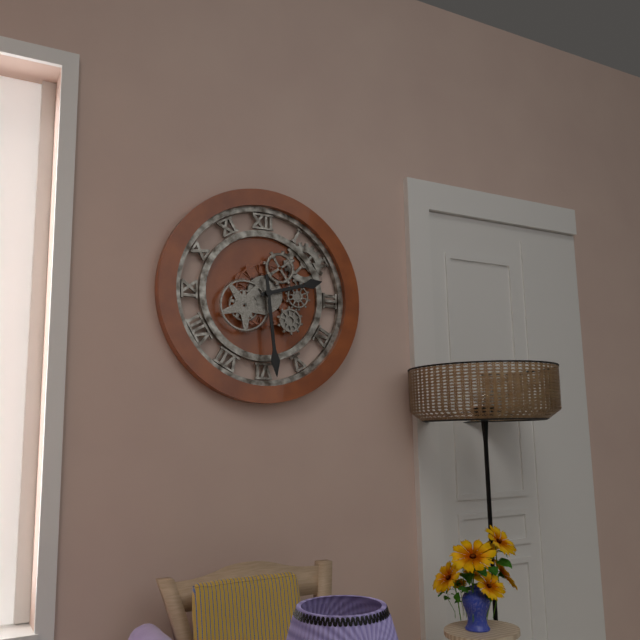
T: 2:29
